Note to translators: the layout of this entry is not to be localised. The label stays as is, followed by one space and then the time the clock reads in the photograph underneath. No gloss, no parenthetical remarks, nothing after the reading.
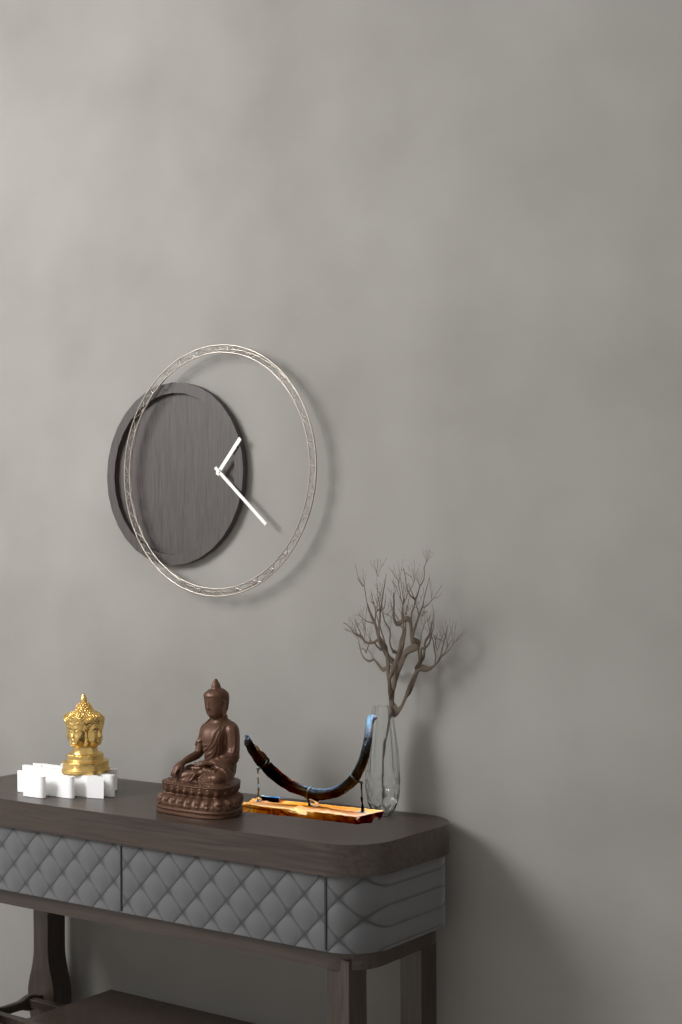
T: 1:22
